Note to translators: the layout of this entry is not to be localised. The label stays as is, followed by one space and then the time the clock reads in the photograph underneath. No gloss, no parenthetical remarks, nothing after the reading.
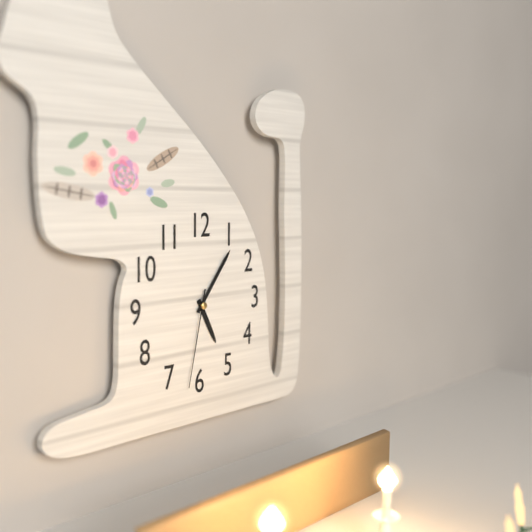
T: 5:06:32
